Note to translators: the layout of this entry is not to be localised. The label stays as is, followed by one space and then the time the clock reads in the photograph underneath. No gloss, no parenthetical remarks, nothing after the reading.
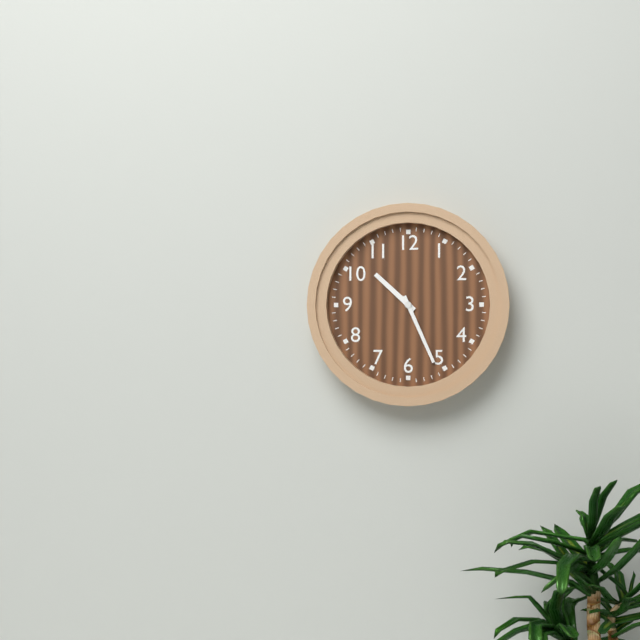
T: 10:26
